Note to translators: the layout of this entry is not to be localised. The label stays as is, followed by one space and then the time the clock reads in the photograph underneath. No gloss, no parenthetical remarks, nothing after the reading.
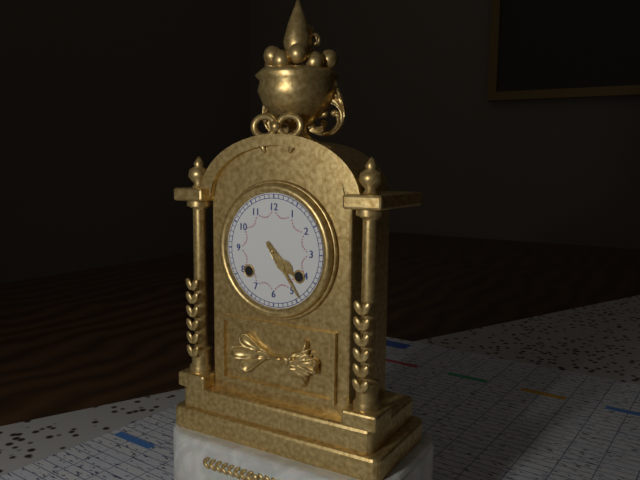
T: 4:24
